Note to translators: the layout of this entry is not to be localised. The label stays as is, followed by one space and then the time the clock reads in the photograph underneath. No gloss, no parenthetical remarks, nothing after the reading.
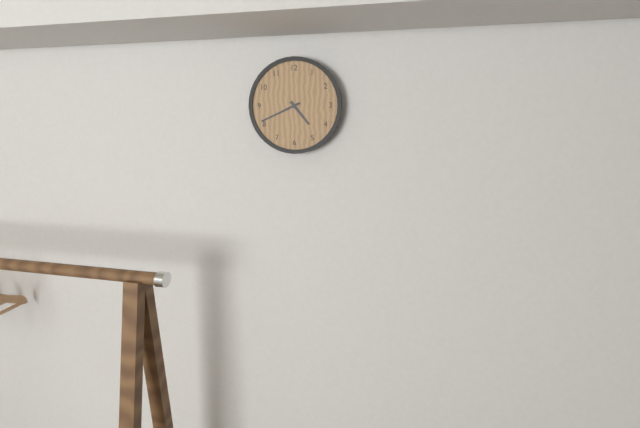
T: 4:41
